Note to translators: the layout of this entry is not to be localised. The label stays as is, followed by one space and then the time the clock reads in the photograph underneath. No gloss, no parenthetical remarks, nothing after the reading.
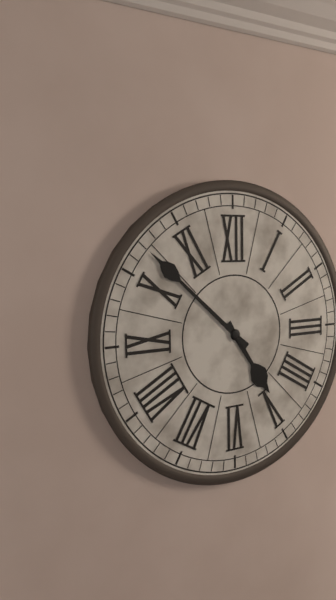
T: 4:52
